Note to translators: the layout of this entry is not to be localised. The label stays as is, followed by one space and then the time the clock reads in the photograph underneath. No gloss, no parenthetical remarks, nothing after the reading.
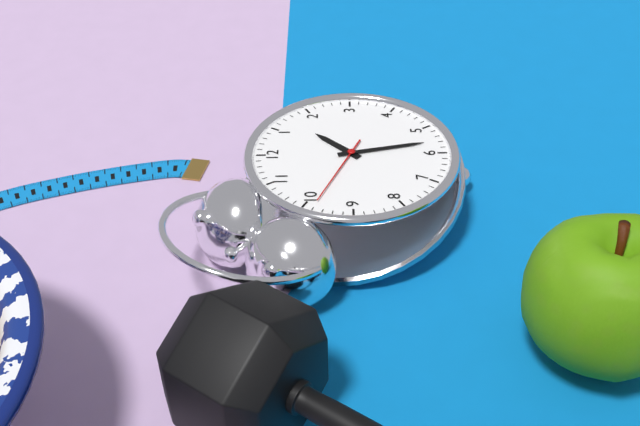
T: 1:28:49
